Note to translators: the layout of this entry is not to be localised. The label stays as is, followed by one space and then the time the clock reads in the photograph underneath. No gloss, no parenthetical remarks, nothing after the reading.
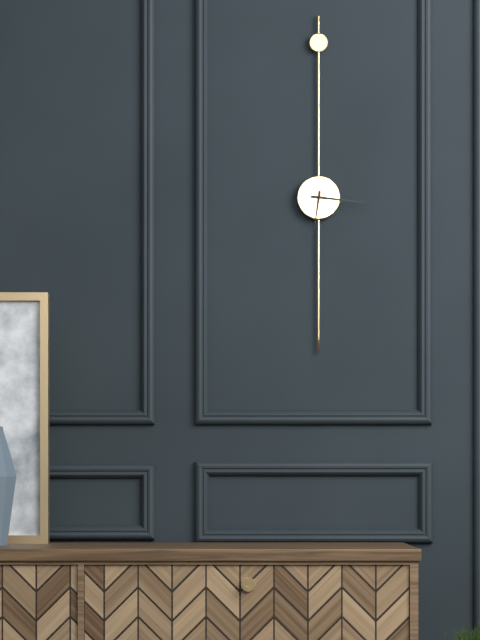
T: 6:16
